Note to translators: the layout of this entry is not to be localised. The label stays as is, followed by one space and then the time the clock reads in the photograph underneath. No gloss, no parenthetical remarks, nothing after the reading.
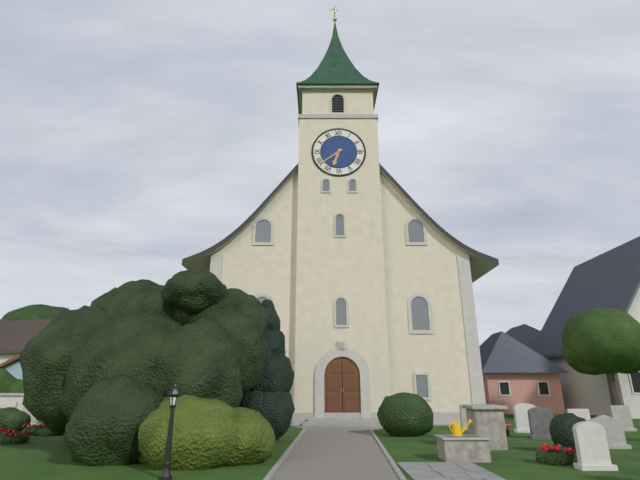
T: 6:39
